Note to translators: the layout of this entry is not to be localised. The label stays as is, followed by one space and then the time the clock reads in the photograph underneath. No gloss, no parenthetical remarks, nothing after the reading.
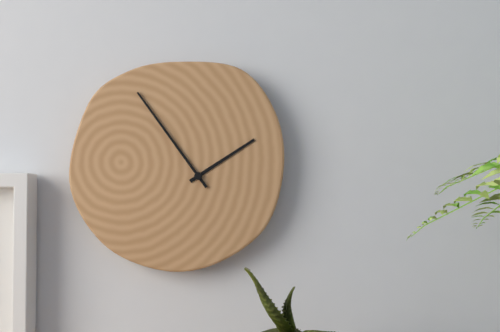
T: 1:54
